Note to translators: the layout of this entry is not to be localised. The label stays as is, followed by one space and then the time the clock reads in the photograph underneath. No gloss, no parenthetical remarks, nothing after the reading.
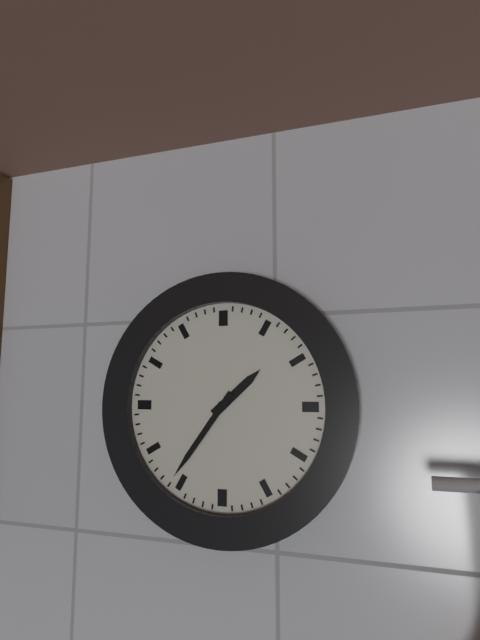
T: 1:36
